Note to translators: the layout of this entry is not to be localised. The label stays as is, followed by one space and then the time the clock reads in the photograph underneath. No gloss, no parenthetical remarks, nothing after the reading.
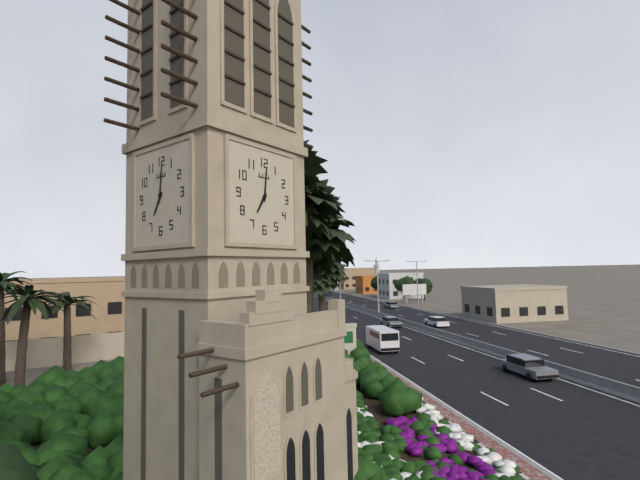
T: 7:01
